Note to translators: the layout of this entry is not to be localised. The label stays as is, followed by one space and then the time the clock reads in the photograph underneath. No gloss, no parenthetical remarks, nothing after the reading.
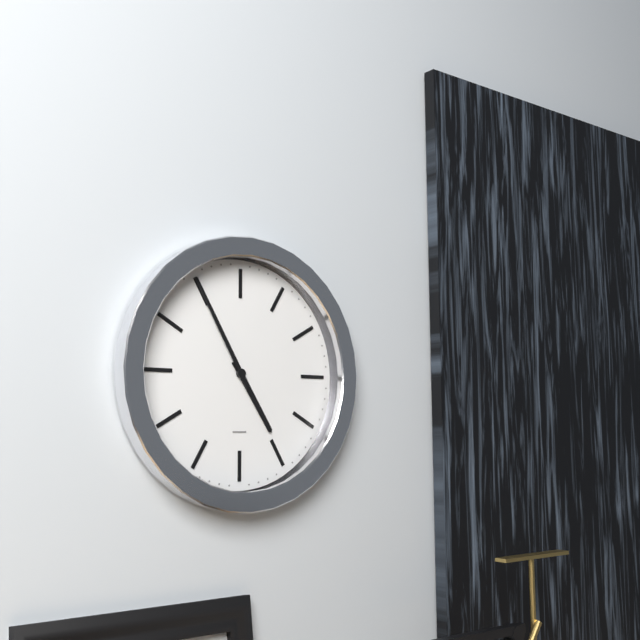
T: 4:55
